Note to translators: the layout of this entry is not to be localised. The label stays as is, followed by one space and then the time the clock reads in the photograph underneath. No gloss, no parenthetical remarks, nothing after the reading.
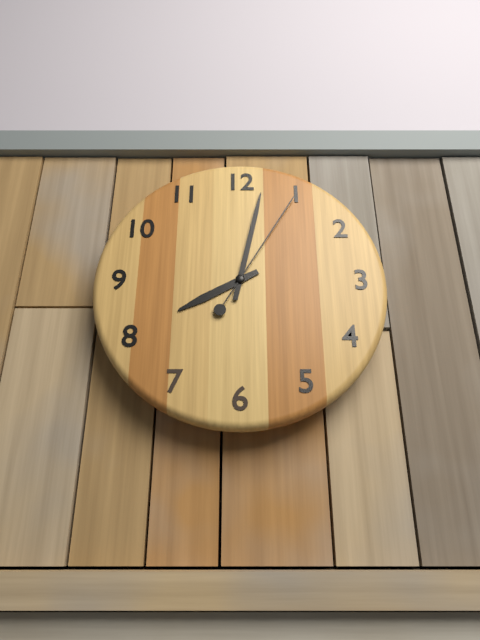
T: 8:02:05
